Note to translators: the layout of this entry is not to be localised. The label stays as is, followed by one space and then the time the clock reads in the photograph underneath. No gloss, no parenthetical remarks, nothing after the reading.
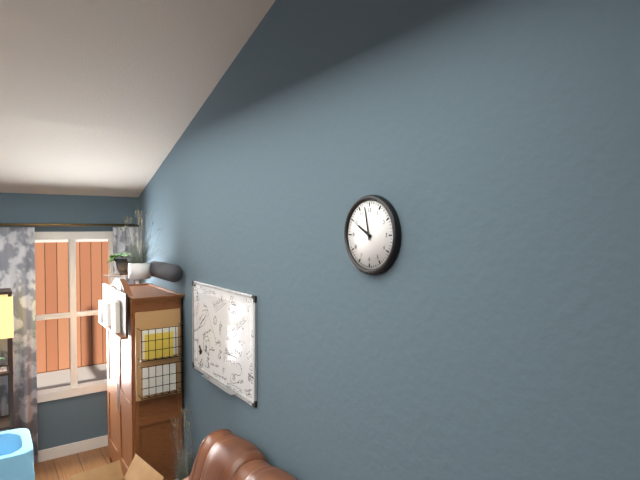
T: 9:58
